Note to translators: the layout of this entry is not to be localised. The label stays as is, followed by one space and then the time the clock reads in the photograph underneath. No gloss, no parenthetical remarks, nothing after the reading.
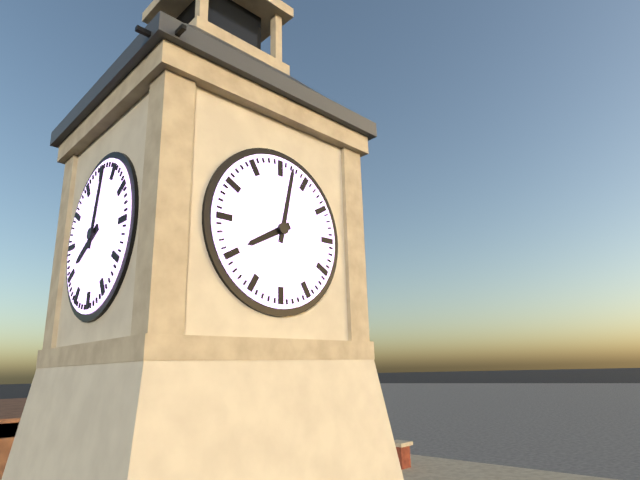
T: 8:02
